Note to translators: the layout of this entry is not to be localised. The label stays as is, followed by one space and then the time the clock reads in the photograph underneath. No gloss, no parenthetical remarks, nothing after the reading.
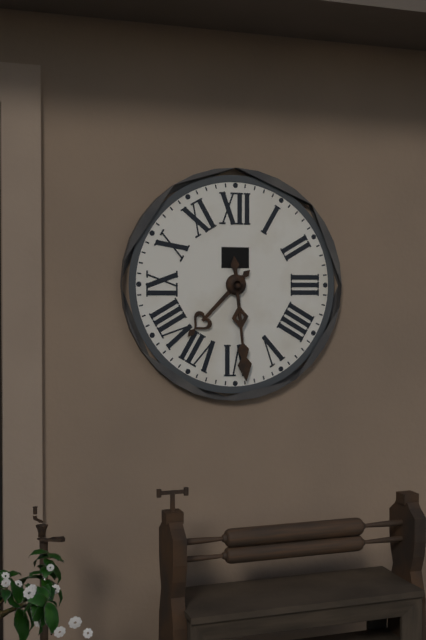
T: 7:29
